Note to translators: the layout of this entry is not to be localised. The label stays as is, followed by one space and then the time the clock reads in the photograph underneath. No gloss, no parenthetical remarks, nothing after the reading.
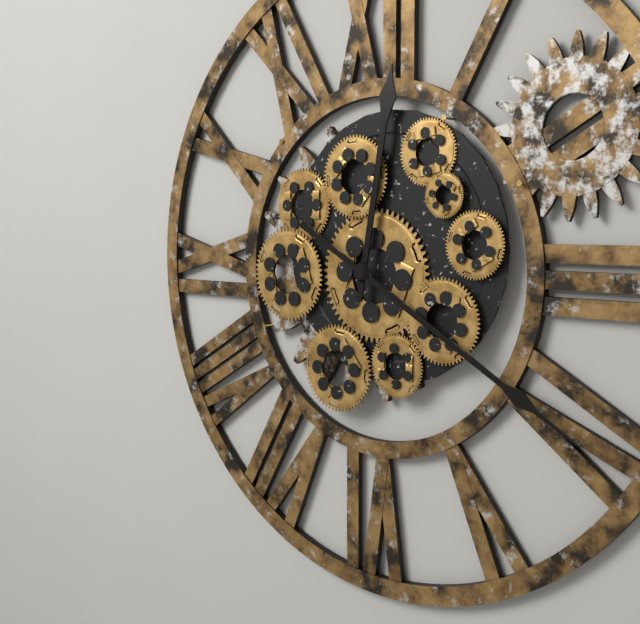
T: 12:20
